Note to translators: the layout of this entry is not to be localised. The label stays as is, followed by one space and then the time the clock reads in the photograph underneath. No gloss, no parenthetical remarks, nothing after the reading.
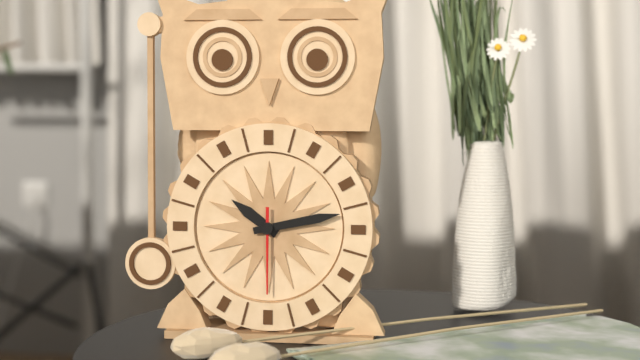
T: 10:13:30
